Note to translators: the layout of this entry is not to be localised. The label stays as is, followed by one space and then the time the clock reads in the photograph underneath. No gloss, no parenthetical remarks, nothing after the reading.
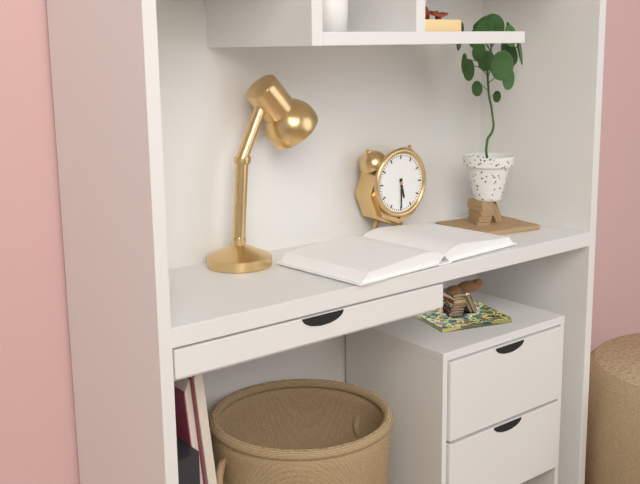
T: 5:30
